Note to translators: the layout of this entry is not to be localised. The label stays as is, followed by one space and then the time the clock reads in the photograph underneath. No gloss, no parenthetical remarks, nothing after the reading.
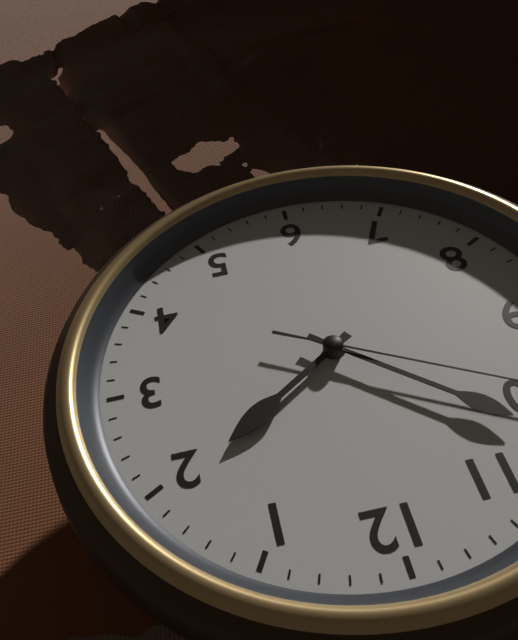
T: 1:52
